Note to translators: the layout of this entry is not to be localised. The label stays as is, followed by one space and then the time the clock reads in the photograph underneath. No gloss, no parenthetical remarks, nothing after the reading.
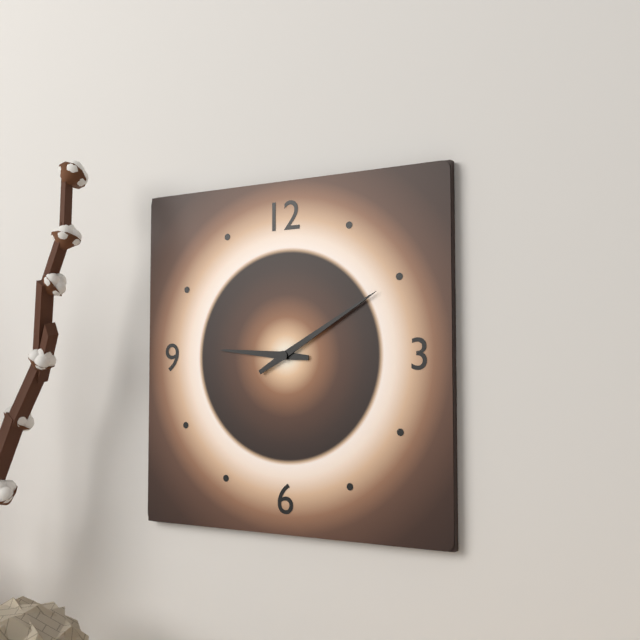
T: 9:10
